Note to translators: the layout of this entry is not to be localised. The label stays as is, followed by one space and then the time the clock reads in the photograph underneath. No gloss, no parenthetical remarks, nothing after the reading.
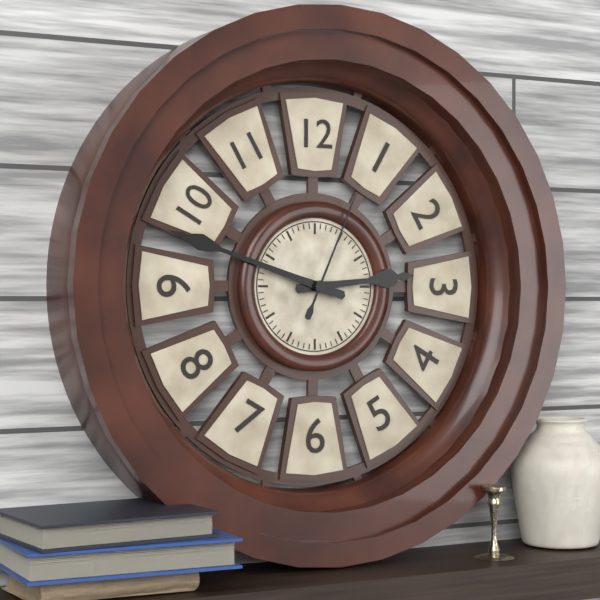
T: 2:48:04
